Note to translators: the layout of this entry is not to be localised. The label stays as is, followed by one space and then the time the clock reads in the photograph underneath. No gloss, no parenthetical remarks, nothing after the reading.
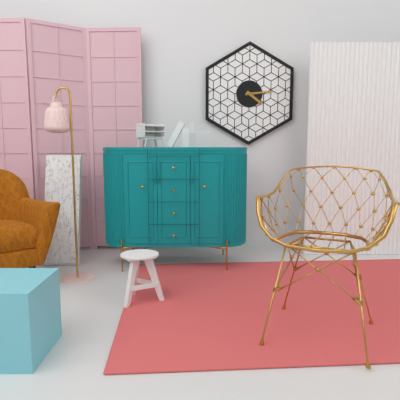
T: 4:14
